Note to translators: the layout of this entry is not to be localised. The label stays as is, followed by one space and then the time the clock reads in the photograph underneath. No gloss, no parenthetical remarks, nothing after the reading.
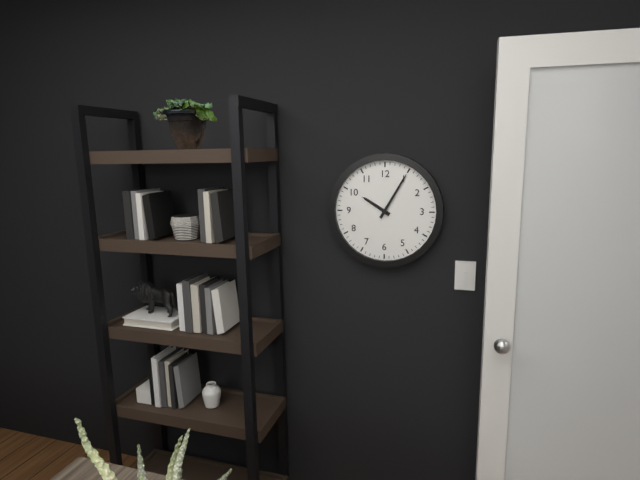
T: 10:05
